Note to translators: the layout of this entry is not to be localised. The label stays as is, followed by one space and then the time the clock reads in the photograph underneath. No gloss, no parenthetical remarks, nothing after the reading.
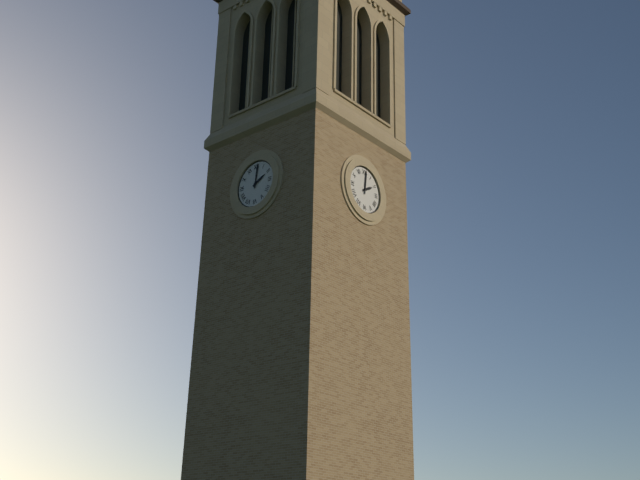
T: 2:01
